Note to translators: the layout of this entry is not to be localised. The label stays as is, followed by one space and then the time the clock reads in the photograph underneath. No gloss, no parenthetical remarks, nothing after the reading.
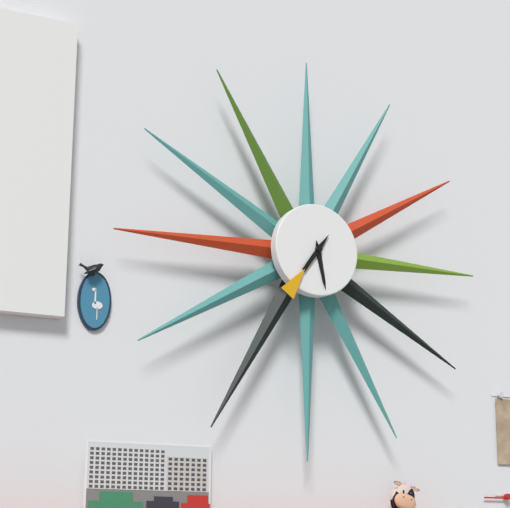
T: 5:36
